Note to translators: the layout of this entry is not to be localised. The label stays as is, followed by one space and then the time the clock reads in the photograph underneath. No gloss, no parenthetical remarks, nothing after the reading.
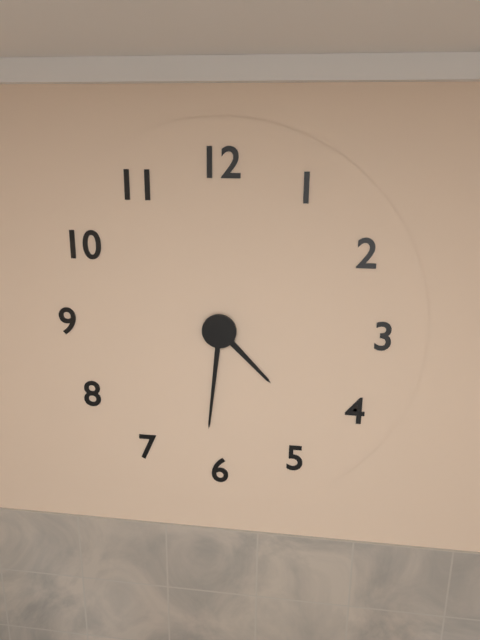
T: 4:31
